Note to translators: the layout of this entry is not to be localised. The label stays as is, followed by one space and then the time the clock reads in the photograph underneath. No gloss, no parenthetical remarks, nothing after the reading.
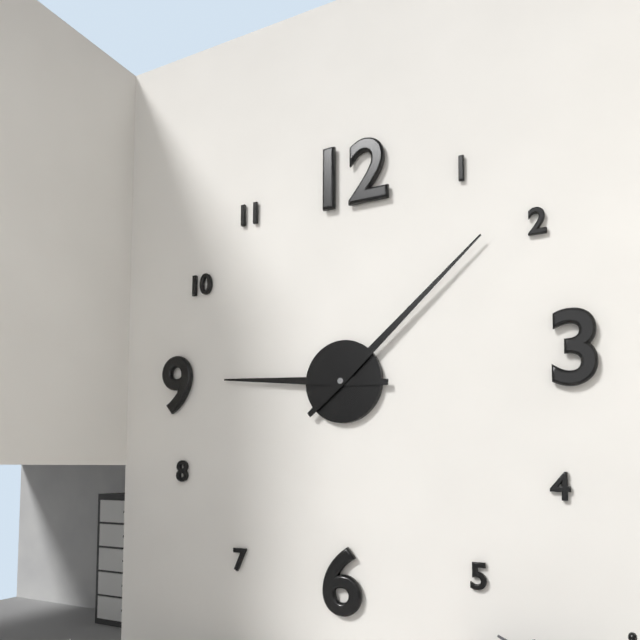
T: 9:08
